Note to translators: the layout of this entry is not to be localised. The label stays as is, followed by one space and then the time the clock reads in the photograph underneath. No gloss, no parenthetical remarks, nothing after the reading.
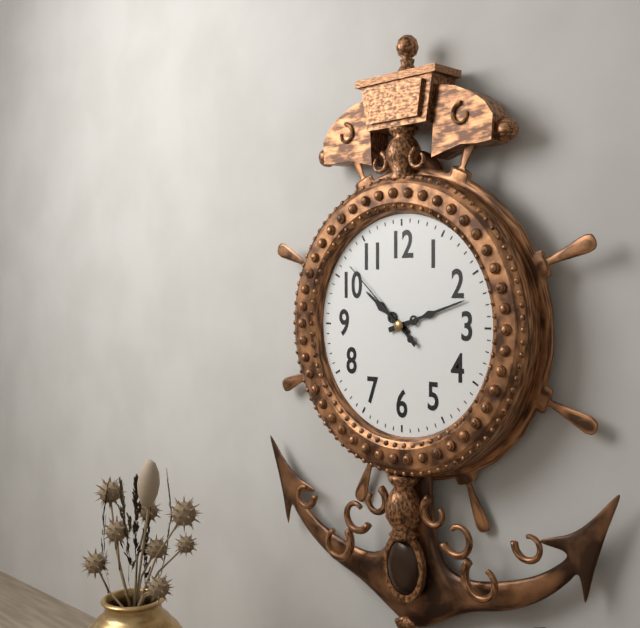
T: 10:12:52
